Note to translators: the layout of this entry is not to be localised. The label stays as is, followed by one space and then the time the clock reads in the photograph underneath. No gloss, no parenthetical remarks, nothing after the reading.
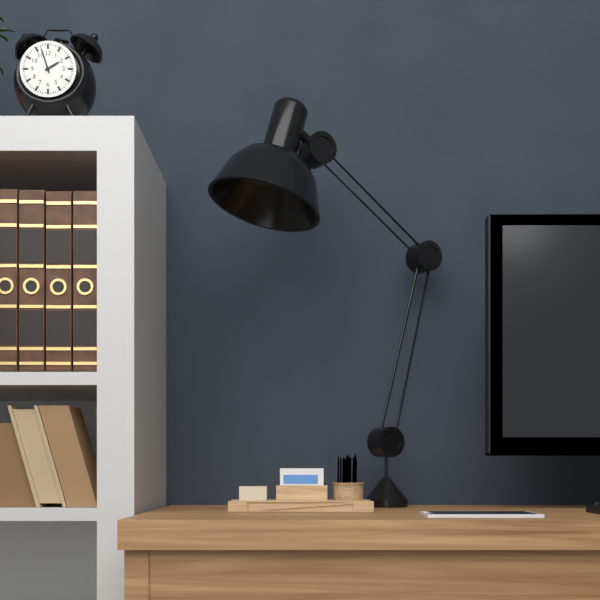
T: 1:57
